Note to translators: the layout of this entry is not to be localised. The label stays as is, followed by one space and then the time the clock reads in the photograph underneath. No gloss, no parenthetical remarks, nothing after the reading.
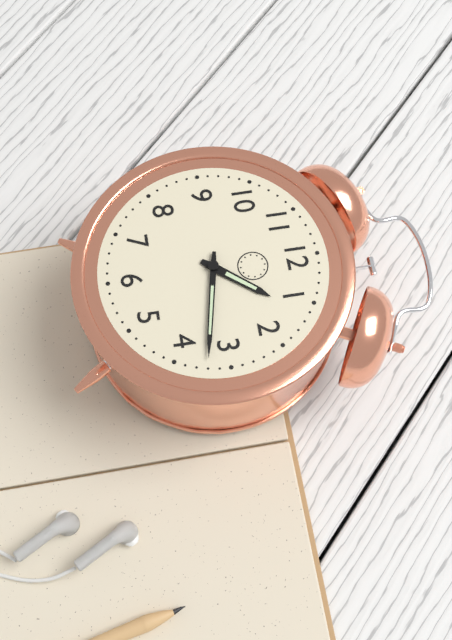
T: 1:17
